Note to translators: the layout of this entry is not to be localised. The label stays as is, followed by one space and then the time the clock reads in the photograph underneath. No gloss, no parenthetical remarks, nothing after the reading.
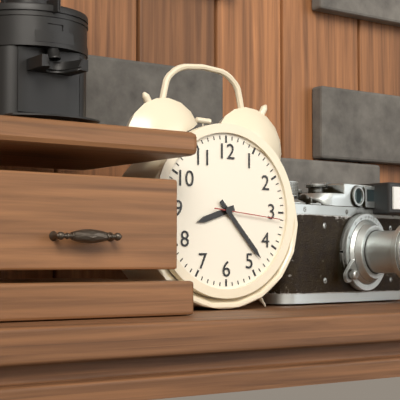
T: 8:23:16
